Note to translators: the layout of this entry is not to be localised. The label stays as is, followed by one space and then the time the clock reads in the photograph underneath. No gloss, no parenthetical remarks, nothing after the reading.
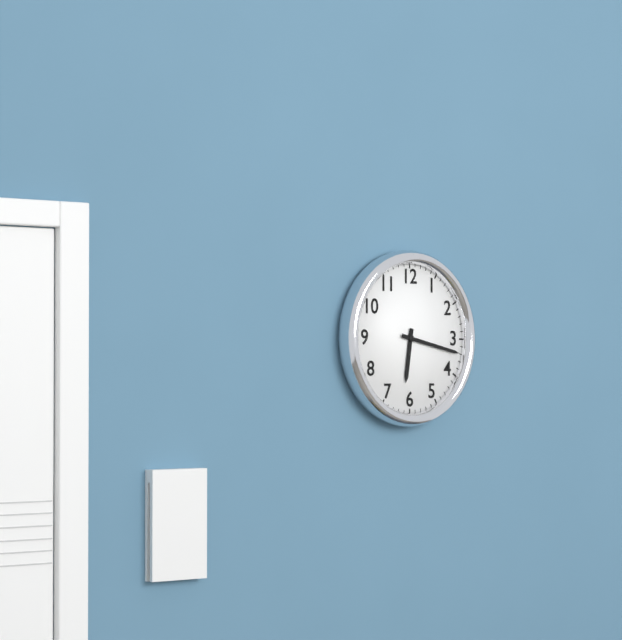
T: 6:17
